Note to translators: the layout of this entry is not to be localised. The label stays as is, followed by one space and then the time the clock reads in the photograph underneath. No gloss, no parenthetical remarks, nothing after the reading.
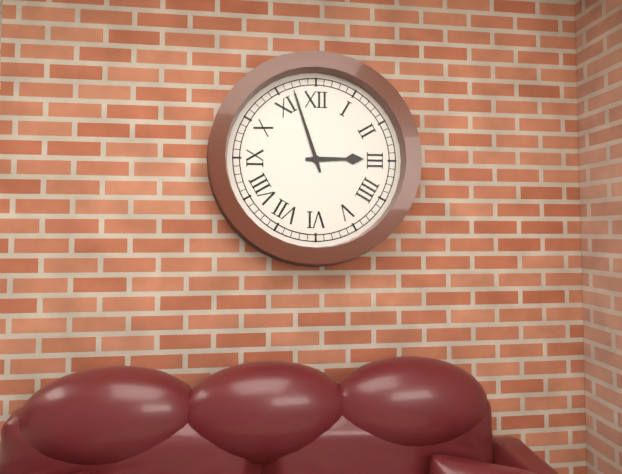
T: 2:57
